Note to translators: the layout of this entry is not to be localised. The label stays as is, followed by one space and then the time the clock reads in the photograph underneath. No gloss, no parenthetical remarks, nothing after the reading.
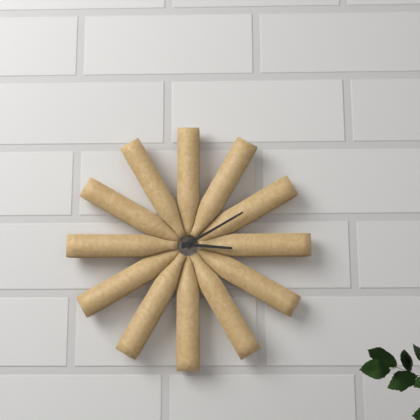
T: 3:10
